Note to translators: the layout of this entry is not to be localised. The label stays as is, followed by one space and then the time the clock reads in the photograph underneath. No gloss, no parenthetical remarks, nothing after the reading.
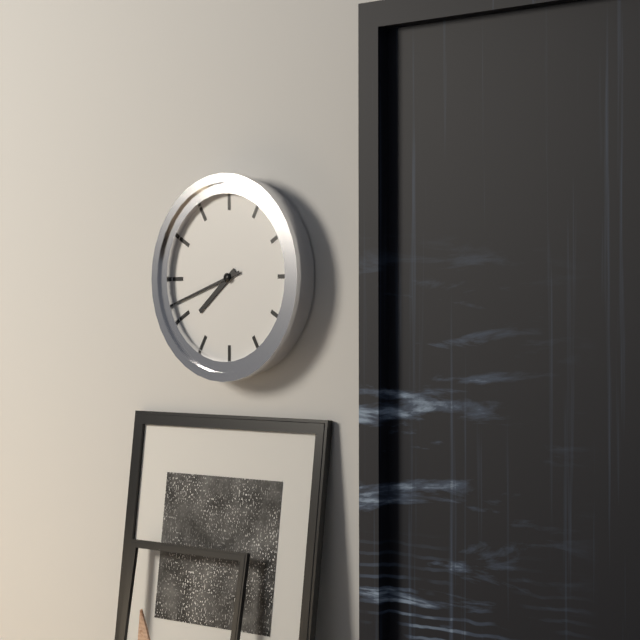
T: 7:42
